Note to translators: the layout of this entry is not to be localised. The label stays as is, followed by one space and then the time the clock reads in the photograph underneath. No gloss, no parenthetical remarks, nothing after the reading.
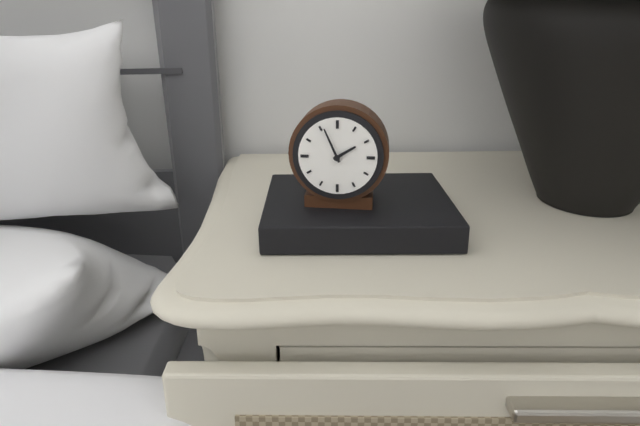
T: 1:56
